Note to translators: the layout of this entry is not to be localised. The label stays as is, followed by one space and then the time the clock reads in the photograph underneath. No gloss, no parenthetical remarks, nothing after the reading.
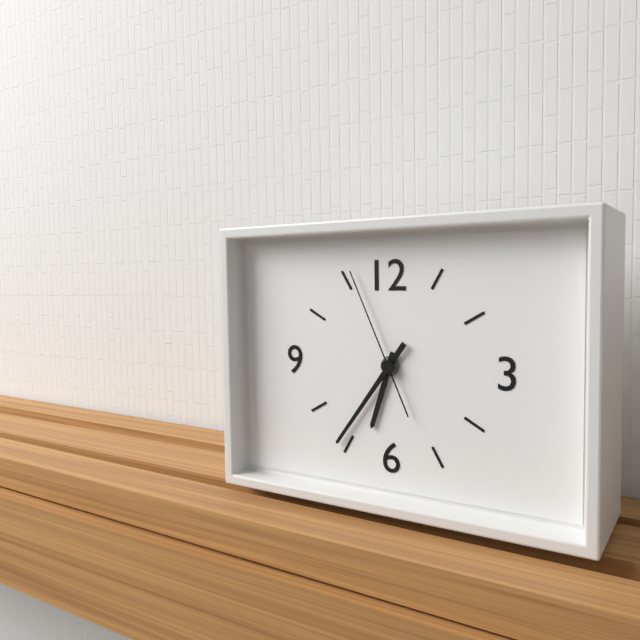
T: 6:36:56
